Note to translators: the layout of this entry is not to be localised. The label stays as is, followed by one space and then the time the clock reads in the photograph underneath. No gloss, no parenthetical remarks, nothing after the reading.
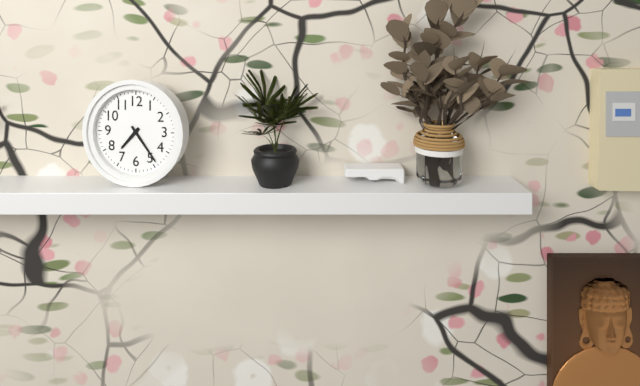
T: 7:24
